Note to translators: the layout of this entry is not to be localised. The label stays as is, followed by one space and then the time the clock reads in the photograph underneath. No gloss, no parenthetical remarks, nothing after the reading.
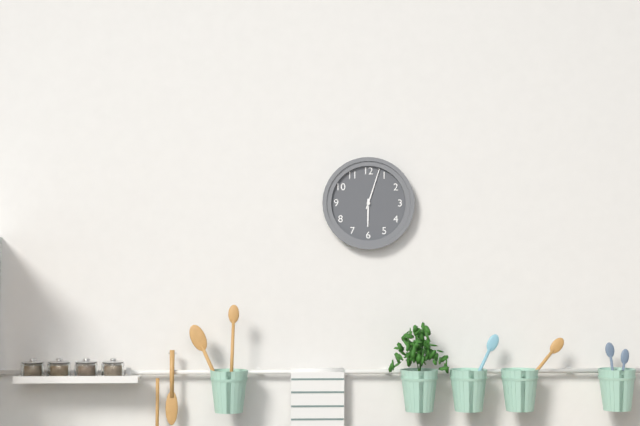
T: 6:03
